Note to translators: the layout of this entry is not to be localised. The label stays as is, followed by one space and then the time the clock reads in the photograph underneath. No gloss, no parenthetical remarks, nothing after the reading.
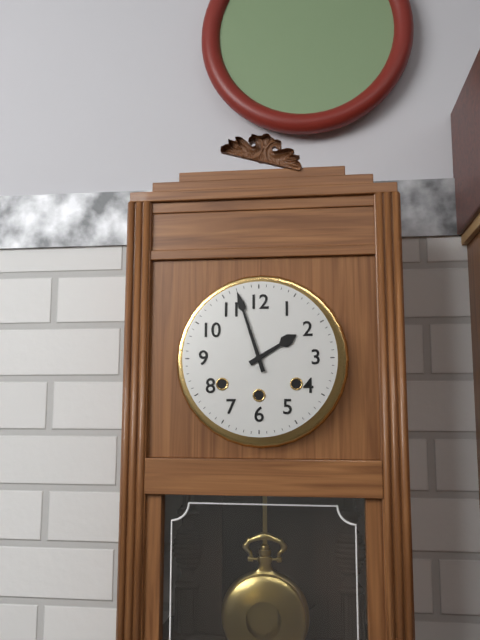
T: 1:57
